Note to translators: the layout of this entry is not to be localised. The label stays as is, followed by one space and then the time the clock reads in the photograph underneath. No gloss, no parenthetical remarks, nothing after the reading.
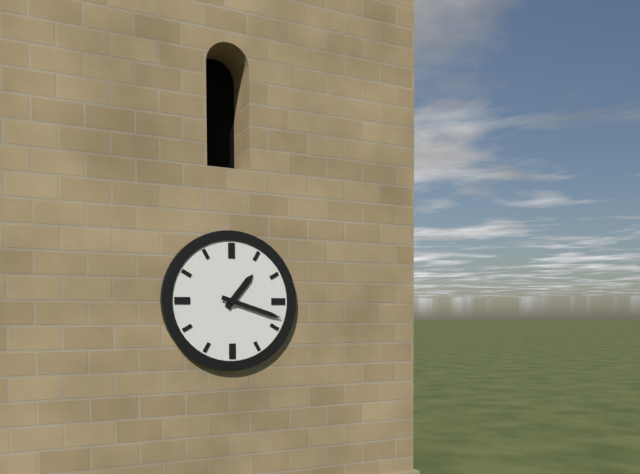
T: 1:18
